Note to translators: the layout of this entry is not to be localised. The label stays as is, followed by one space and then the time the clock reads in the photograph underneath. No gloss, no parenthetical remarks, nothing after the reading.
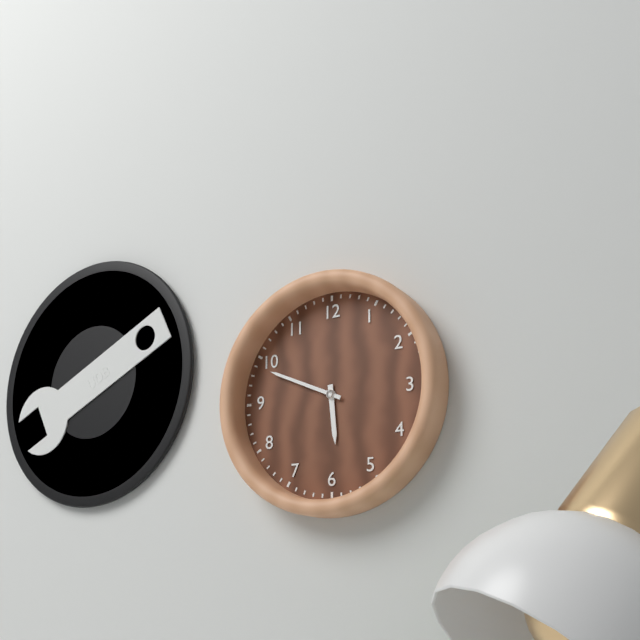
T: 5:49
